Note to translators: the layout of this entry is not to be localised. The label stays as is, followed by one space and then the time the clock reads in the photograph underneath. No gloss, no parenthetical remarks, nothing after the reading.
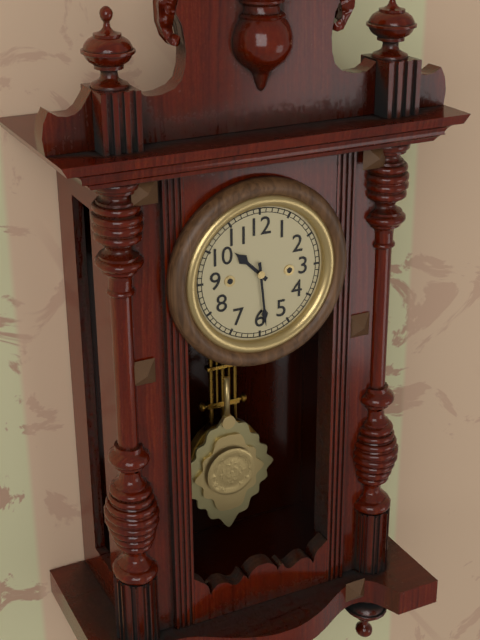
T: 10:29
